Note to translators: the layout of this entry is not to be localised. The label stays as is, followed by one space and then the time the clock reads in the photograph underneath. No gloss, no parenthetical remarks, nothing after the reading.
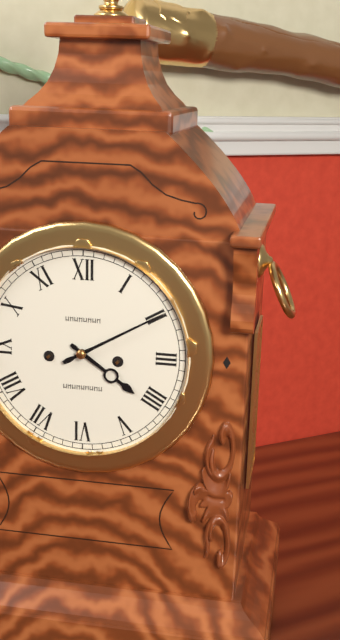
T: 4:10
